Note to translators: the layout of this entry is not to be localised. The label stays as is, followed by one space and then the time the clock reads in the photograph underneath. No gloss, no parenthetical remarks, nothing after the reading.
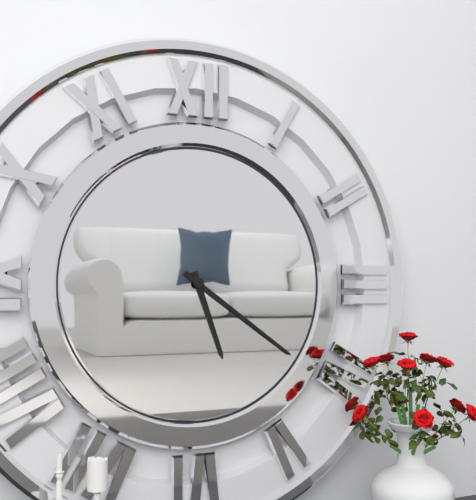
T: 5:21
